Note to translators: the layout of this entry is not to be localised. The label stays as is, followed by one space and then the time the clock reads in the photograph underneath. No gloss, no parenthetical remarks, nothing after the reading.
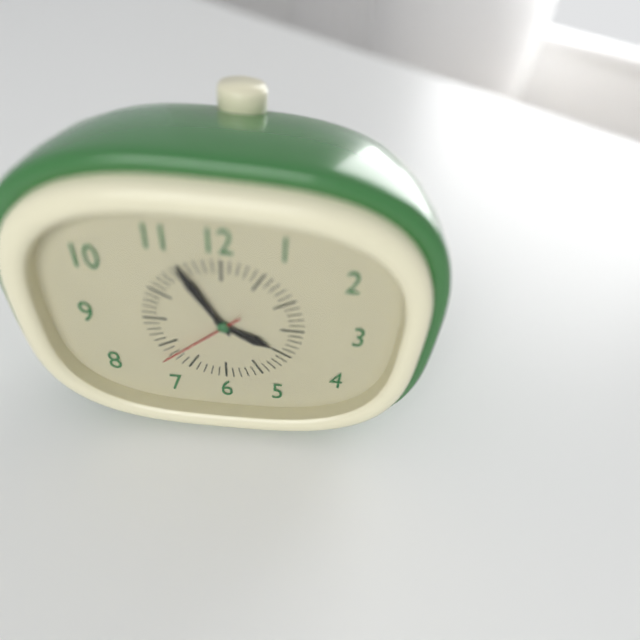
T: 3:55:38
